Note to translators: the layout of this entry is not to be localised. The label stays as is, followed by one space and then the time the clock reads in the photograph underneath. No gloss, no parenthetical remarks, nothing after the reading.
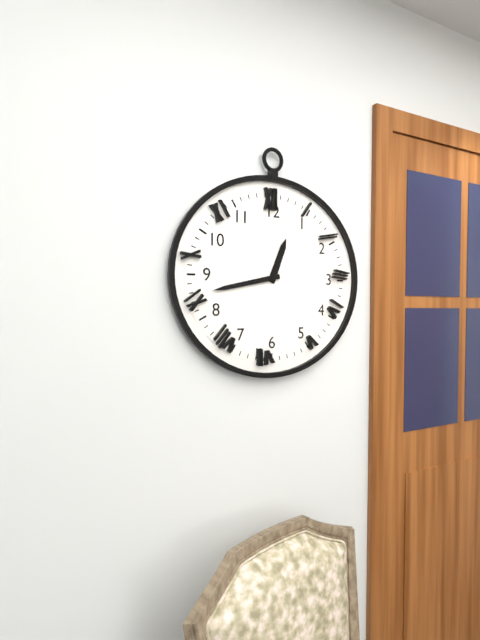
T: 12:43
